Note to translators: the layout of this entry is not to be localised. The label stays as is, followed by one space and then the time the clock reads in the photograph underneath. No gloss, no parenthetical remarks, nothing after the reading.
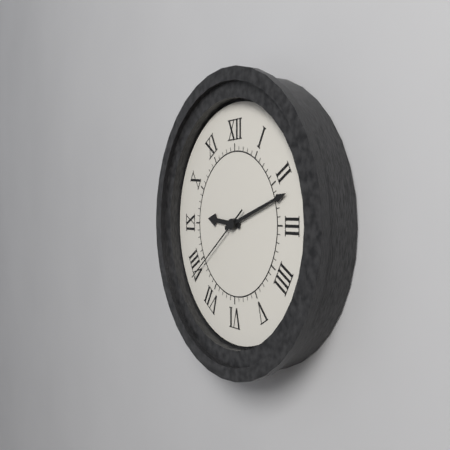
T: 9:12:39
